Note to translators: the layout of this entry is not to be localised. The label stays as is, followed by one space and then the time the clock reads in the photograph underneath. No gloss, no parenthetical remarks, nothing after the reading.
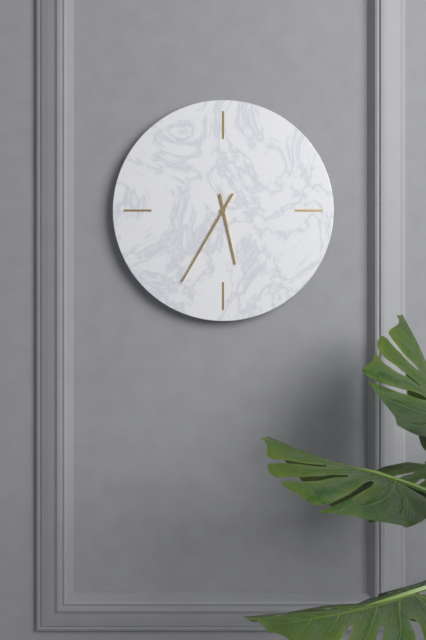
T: 5:35
